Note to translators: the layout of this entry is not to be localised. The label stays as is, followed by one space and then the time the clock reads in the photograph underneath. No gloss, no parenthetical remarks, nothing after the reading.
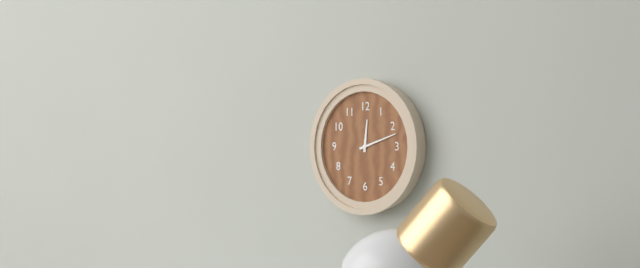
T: 12:12
